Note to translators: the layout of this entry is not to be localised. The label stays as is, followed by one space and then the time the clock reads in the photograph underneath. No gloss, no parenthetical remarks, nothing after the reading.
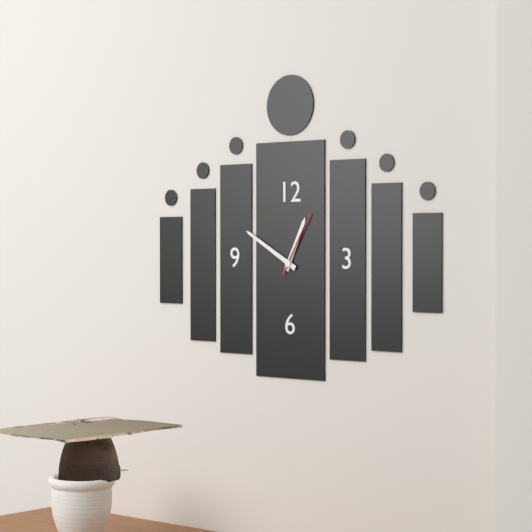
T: 12:50:05
